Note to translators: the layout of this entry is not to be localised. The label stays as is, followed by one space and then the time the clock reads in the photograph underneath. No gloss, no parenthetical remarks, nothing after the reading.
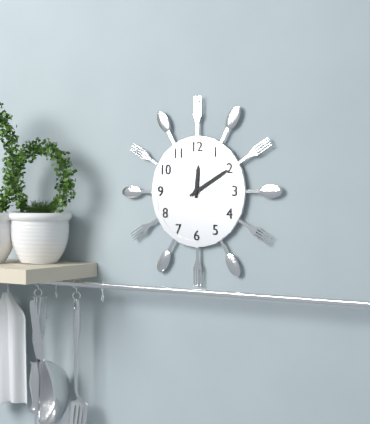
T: 12:10
